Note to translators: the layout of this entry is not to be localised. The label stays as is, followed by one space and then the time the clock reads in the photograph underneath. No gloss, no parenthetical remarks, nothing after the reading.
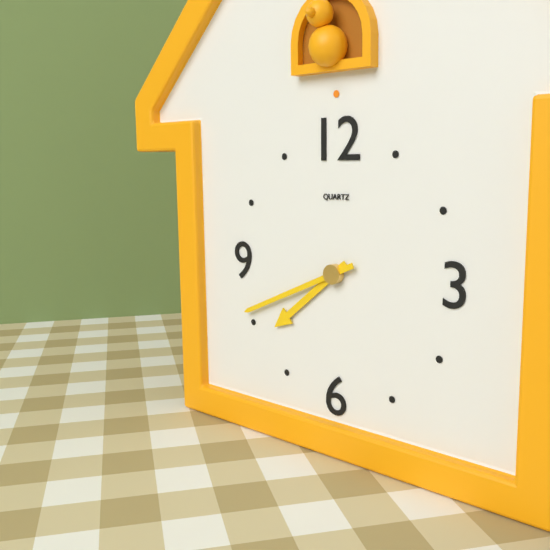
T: 7:41
